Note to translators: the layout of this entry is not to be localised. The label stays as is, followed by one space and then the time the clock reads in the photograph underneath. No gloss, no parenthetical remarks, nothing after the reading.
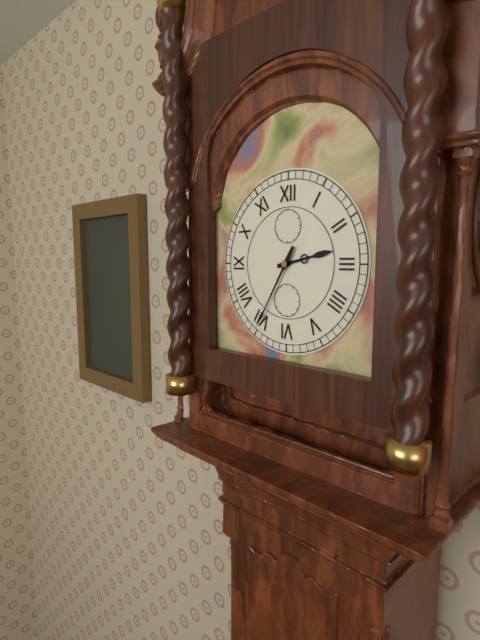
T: 2:35
